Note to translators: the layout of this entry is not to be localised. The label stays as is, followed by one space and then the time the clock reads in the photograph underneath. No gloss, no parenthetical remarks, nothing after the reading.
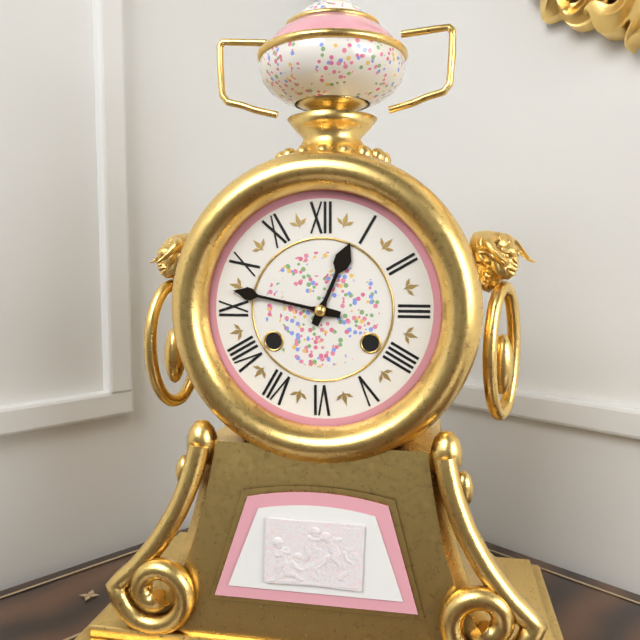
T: 12:47
